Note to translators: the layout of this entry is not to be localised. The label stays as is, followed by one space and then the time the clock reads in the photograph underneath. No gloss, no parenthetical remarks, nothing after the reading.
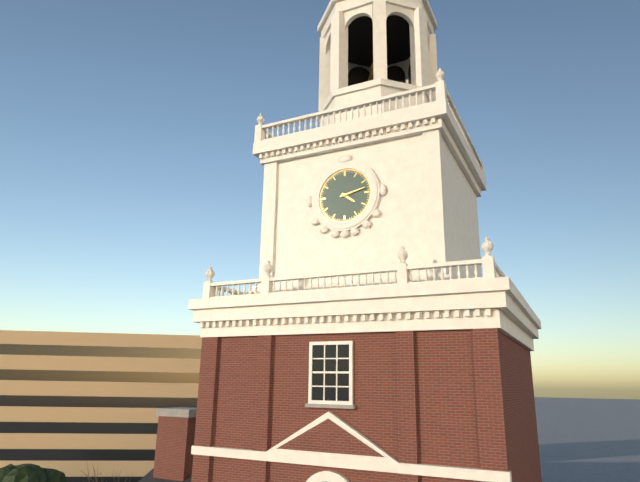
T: 4:13
